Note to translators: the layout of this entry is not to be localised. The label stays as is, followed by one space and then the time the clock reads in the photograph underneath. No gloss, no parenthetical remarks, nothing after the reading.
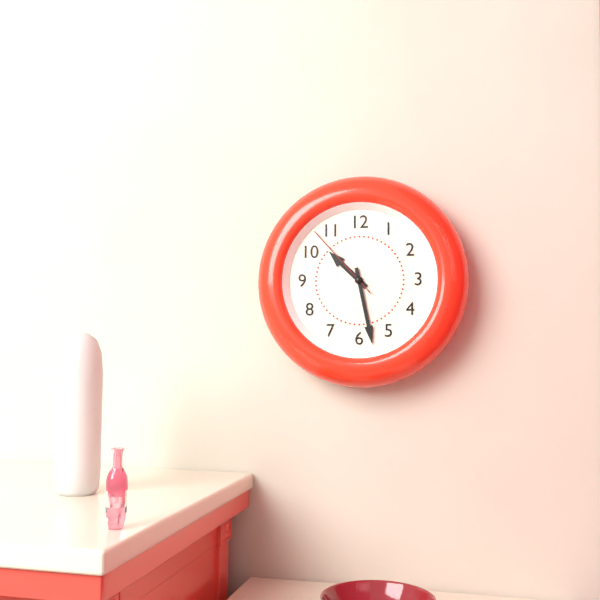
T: 10:28:53
